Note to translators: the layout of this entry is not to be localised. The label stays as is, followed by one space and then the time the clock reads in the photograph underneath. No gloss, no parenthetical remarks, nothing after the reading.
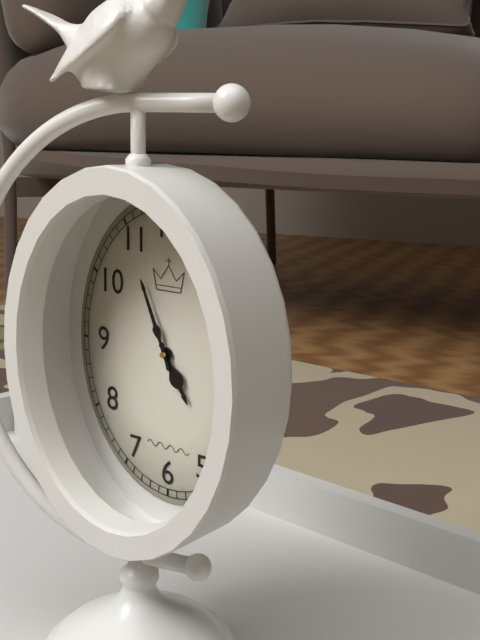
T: 4:56
